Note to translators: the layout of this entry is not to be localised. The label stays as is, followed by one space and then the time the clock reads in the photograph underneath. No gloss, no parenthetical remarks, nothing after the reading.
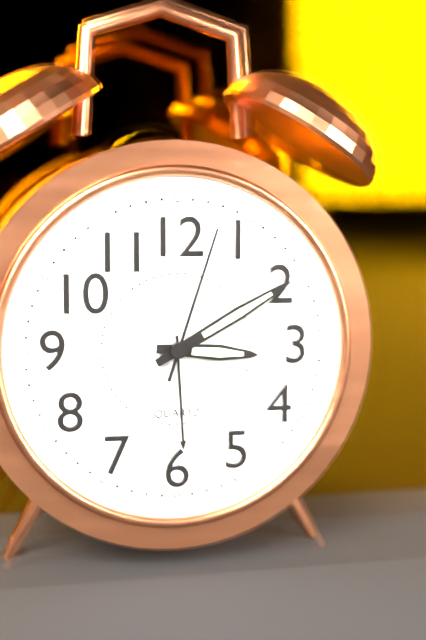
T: 3:10:03
